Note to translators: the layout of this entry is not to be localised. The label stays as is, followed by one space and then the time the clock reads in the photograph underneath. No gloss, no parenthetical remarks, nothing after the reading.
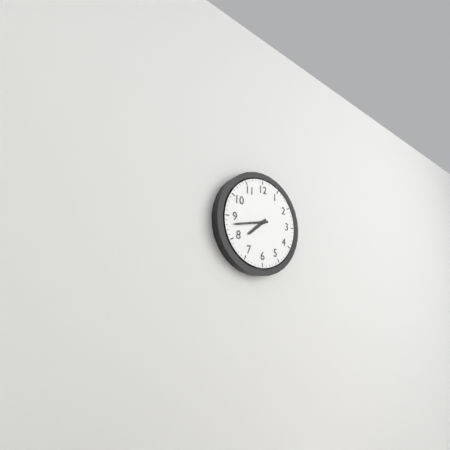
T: 7:43
